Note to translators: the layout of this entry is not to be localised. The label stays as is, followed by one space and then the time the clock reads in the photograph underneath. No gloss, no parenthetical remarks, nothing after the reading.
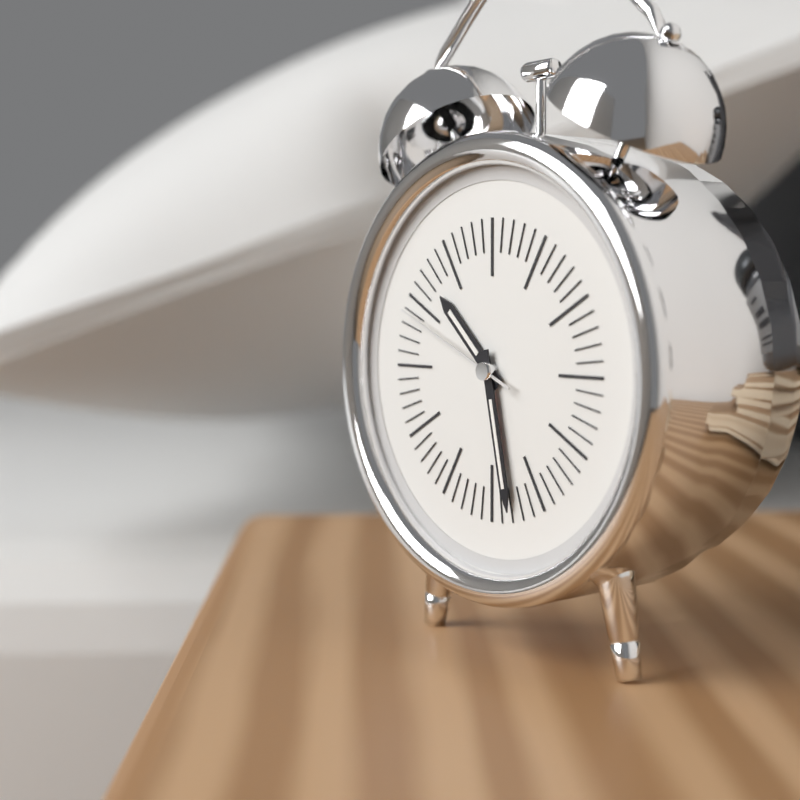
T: 10:28:49
